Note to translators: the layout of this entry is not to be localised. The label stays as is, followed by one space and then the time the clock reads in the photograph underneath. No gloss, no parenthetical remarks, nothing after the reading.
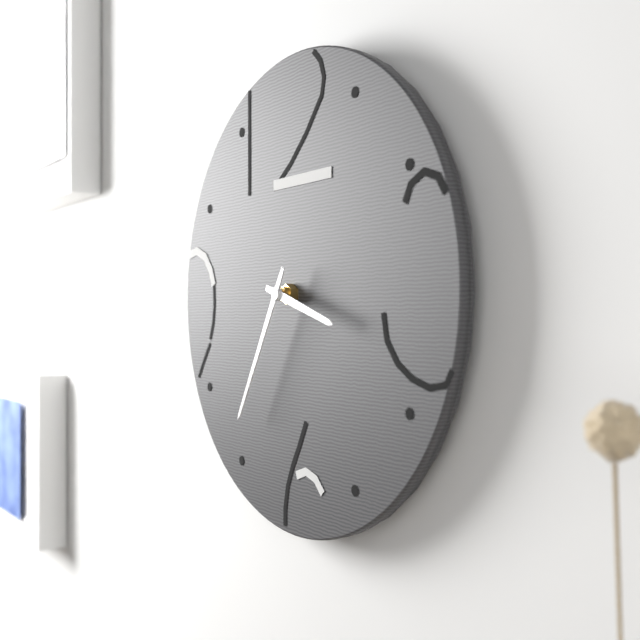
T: 3:35
